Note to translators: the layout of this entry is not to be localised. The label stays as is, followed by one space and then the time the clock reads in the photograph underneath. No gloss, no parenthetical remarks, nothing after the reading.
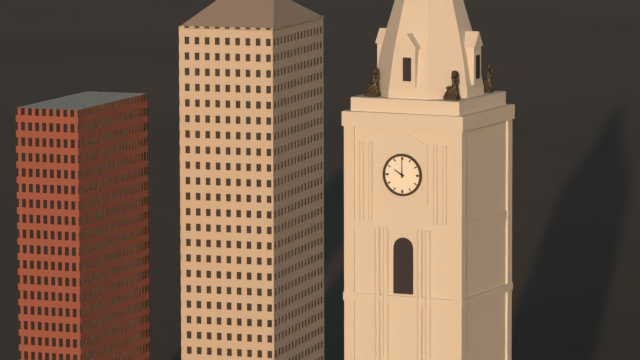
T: 10:00
